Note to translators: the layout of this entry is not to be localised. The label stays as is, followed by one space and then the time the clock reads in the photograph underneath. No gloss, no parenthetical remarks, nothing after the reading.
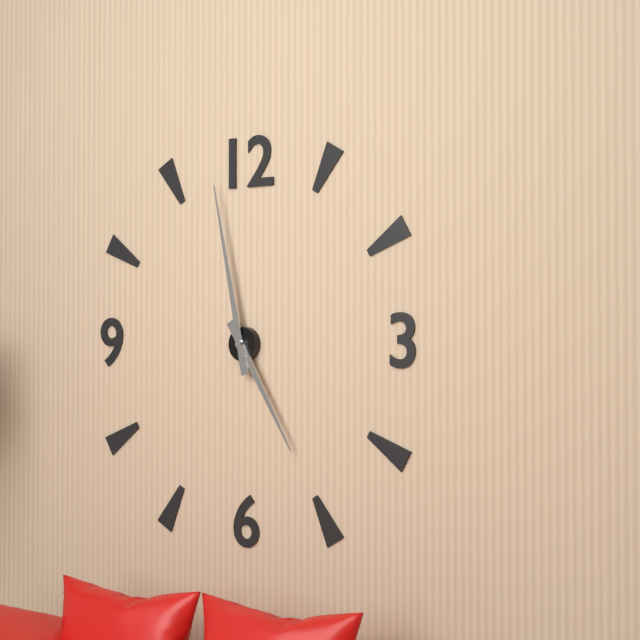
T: 4:58
